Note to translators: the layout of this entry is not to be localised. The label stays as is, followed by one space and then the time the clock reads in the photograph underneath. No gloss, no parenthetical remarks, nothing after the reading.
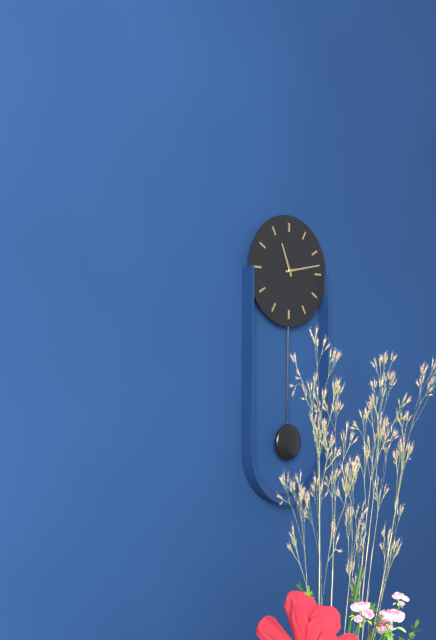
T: 11:13
